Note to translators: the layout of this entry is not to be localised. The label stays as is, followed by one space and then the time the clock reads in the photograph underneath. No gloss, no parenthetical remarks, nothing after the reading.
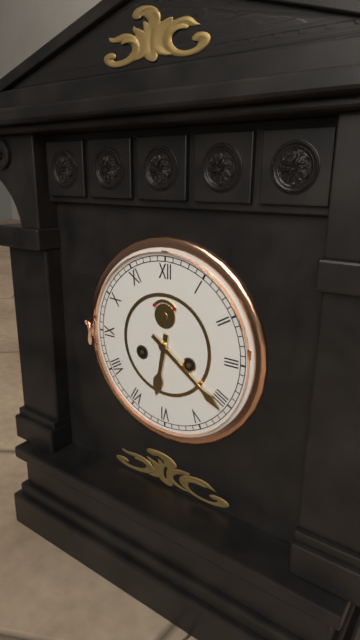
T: 6:21
